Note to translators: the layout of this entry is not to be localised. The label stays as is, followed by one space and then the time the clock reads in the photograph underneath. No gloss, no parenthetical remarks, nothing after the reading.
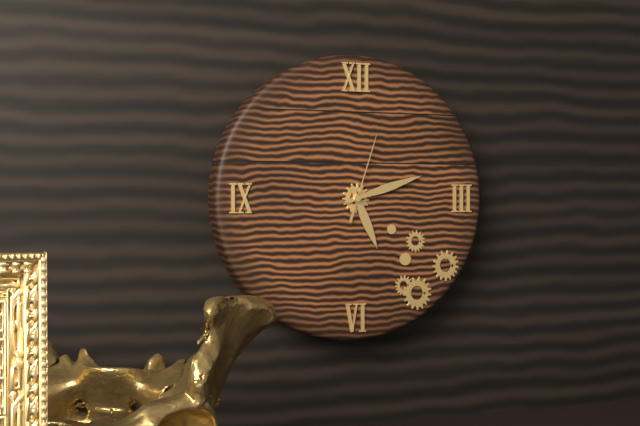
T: 5:12:03
